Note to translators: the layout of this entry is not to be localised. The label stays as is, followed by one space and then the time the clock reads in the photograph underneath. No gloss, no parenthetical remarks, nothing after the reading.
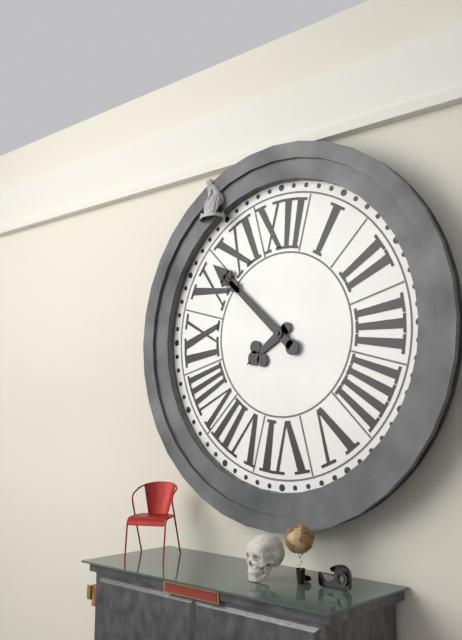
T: 7:52
